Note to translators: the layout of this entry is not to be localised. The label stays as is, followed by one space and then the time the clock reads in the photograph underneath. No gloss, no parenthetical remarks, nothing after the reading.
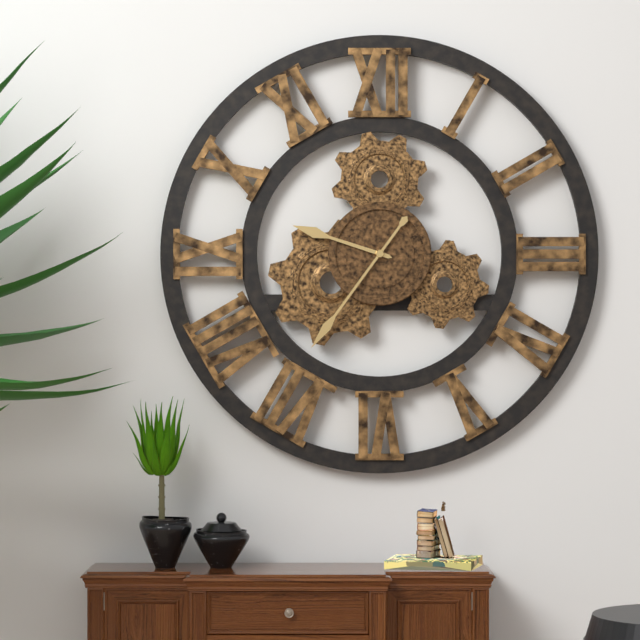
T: 9:36
